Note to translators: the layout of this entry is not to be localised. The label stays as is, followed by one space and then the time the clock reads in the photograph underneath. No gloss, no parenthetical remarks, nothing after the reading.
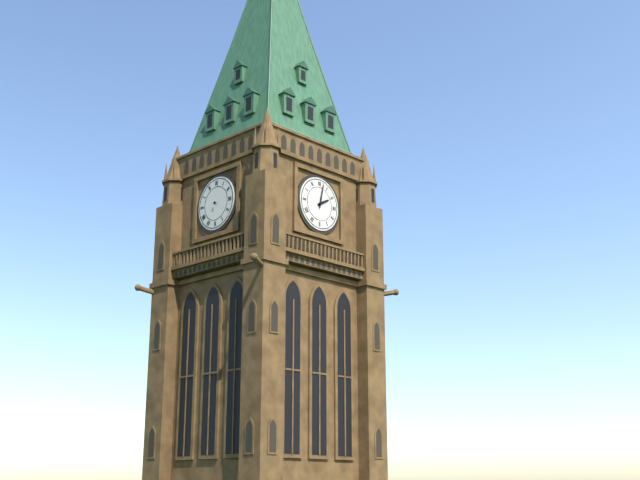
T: 2:02
